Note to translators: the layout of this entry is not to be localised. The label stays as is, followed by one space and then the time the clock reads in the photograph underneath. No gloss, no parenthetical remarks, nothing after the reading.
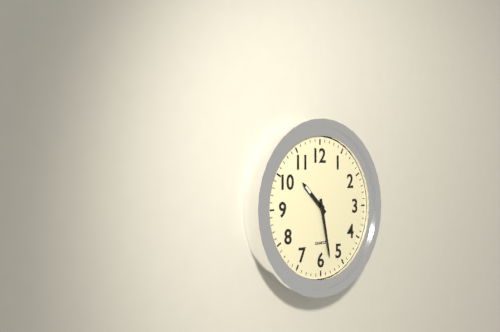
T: 10:28
